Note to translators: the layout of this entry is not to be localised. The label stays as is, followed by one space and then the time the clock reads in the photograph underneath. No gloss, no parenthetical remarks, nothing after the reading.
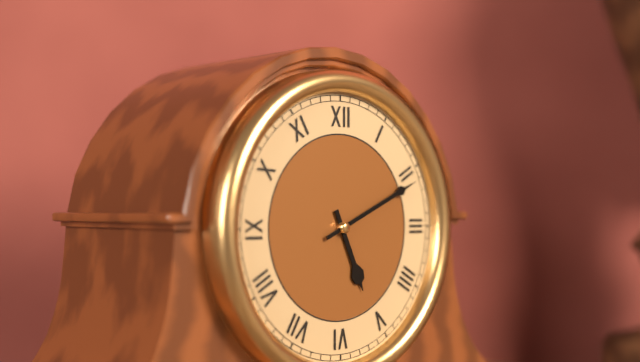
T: 5:11
